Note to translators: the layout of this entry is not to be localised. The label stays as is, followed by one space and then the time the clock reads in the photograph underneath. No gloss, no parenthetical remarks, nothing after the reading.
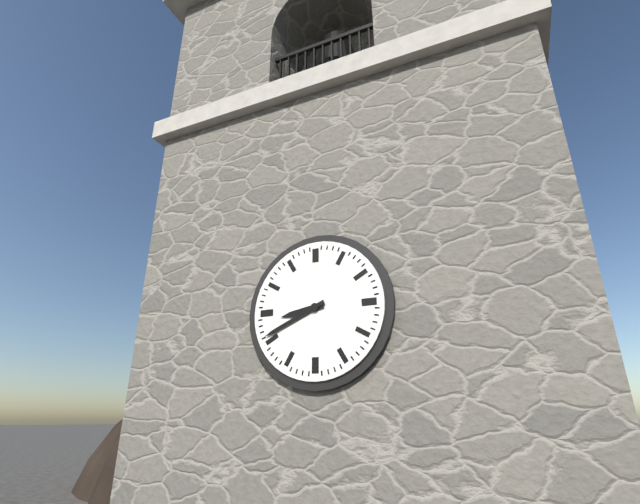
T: 8:41
